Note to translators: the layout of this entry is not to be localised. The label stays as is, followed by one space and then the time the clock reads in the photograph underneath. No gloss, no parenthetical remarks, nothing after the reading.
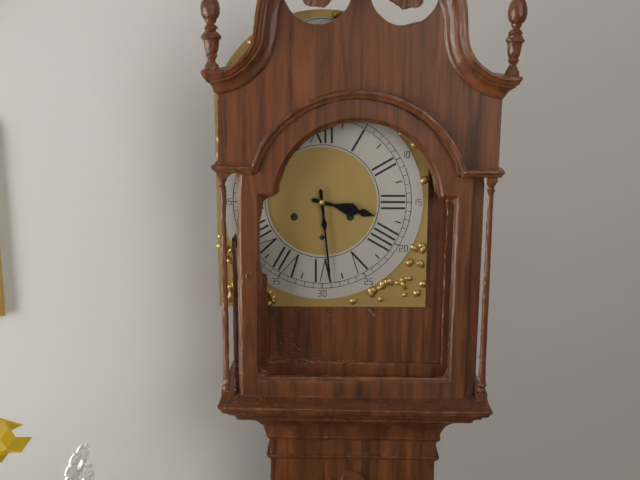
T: 3:29
